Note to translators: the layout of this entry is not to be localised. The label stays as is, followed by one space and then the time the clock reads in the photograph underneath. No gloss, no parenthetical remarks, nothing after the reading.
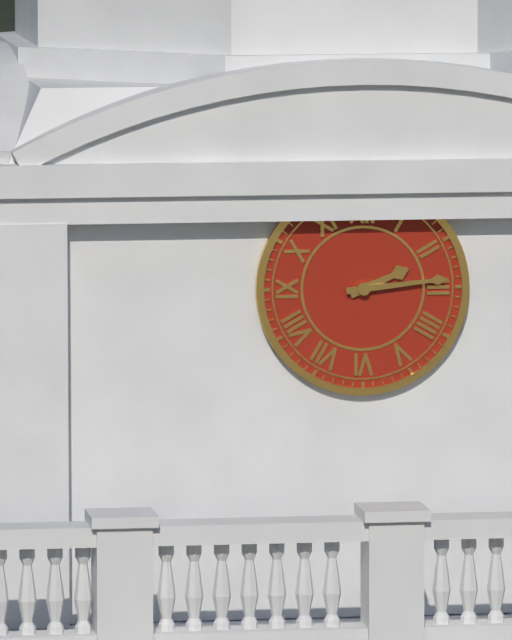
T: 2:14
